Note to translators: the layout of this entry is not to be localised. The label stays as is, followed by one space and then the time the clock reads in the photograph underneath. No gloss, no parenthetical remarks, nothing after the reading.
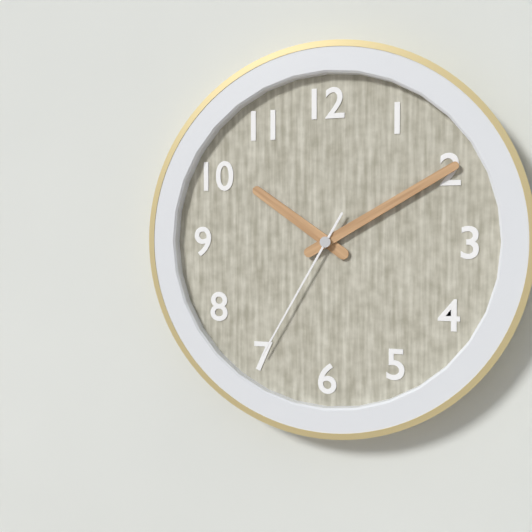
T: 10:10:35
